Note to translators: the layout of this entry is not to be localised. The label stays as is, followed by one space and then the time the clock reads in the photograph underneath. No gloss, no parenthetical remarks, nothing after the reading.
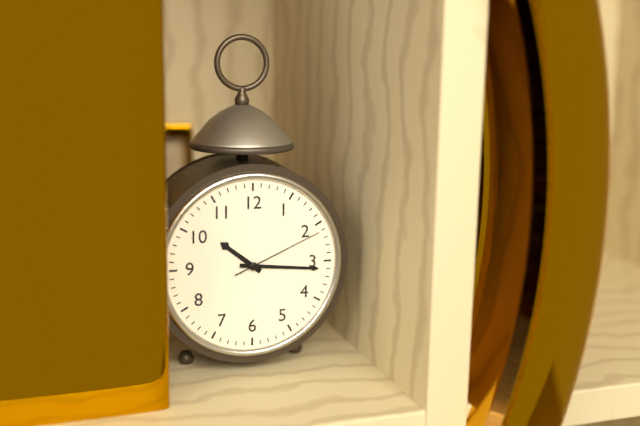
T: 10:16:11
